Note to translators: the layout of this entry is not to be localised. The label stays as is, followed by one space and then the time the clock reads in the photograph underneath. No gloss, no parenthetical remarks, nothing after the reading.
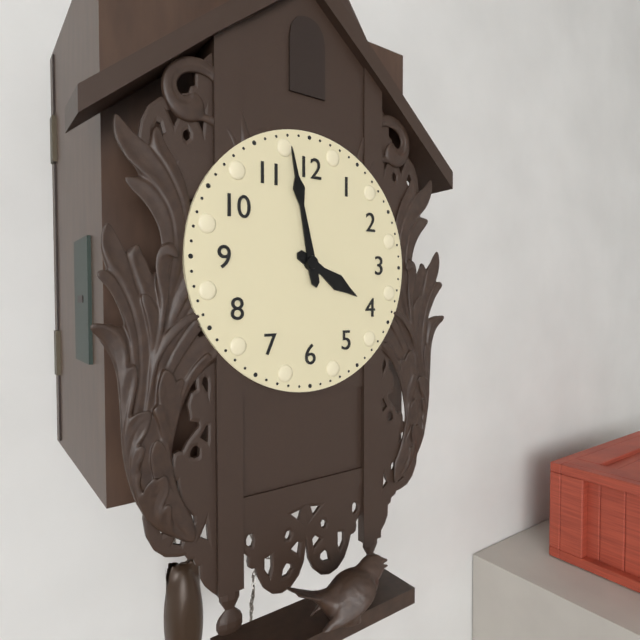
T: 3:58
